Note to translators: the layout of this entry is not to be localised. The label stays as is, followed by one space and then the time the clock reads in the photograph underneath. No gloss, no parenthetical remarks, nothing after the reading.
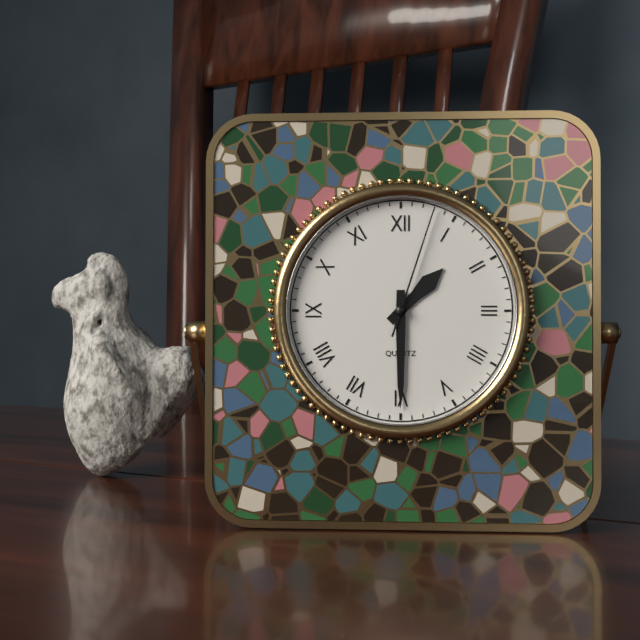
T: 1:30:03
